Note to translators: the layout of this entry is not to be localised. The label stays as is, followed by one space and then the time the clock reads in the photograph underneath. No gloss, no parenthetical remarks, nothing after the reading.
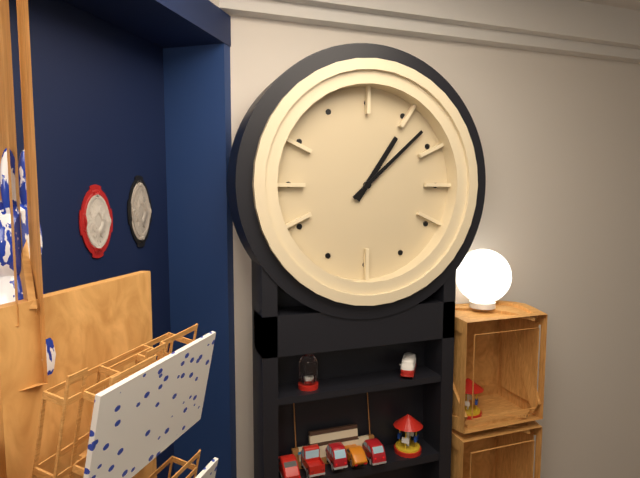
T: 1:08
